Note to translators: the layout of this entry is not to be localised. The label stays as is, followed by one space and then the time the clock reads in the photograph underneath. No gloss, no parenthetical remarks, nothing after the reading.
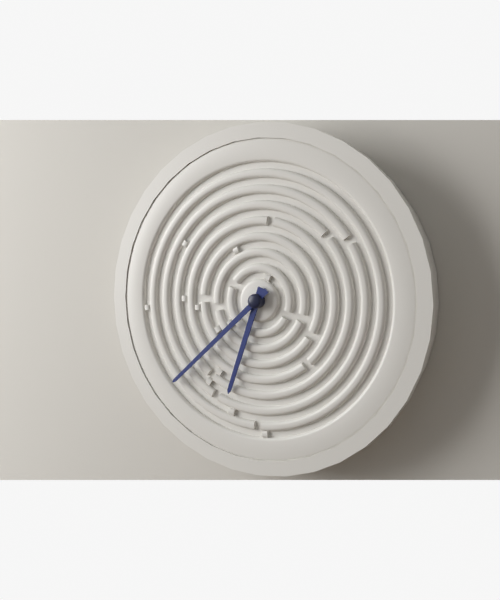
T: 6:38
